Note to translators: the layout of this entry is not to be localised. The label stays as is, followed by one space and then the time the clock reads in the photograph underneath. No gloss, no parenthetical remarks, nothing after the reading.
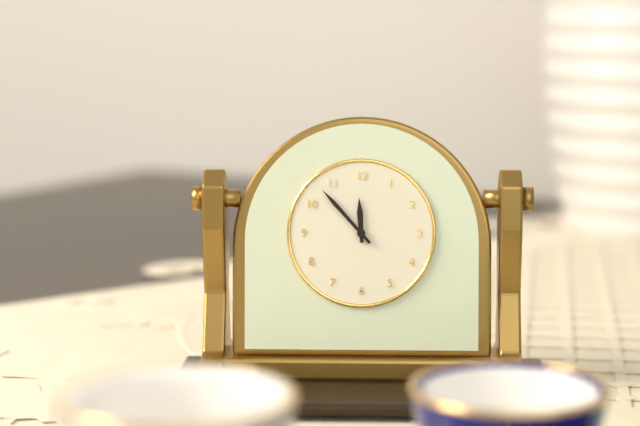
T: 11:53
